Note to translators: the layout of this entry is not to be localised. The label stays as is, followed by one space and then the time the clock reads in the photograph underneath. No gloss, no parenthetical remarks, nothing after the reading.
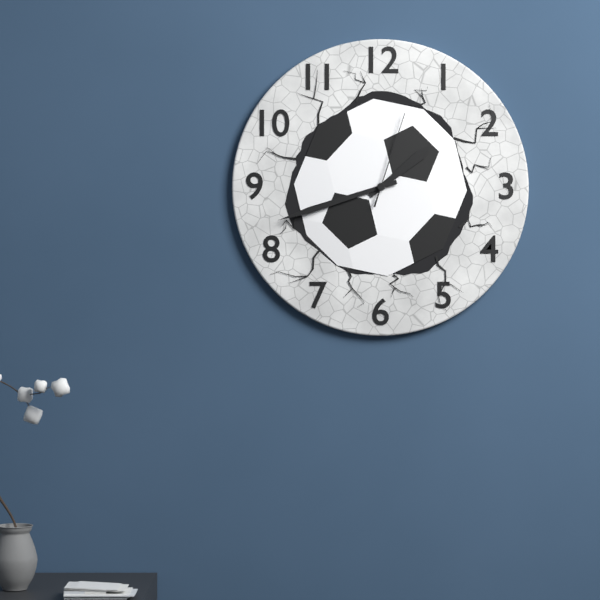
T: 1:42:03
